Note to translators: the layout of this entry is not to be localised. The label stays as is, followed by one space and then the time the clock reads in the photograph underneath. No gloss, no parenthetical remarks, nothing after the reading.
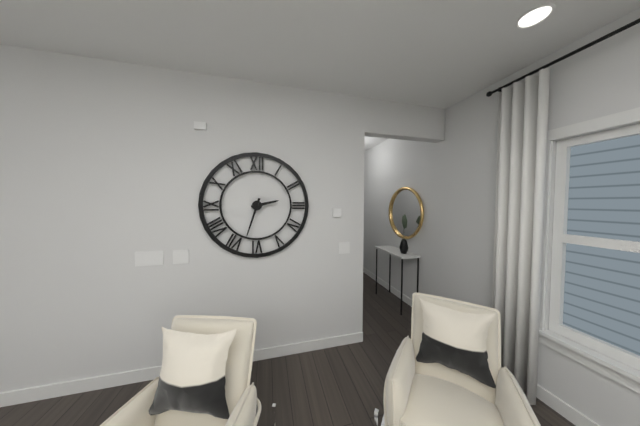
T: 2:33
